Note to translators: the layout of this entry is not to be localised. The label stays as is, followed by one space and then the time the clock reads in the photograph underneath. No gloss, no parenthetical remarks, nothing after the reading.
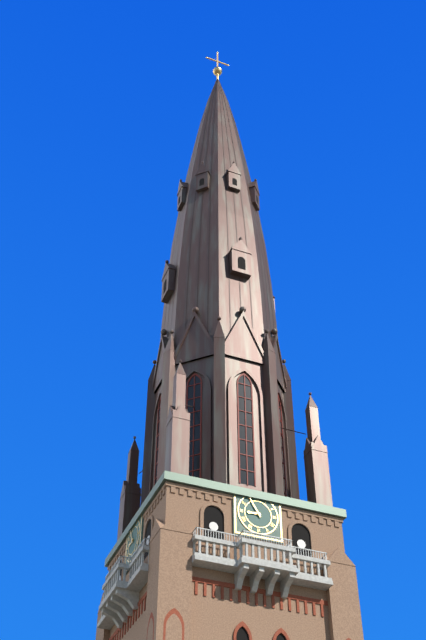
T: 8:55
